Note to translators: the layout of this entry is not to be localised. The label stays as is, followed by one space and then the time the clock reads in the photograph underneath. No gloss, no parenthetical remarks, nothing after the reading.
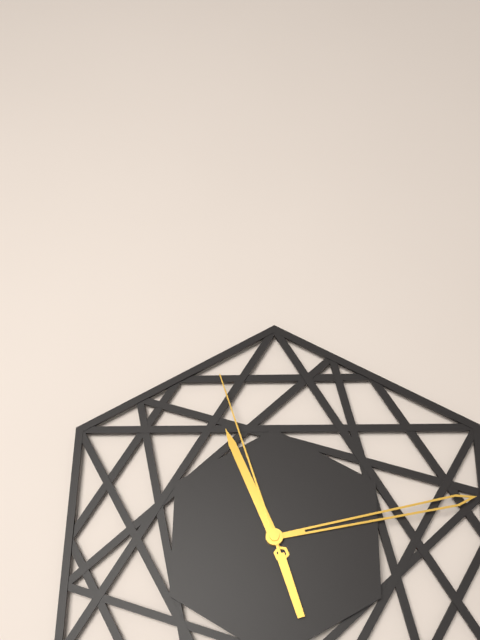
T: 11:13:57
